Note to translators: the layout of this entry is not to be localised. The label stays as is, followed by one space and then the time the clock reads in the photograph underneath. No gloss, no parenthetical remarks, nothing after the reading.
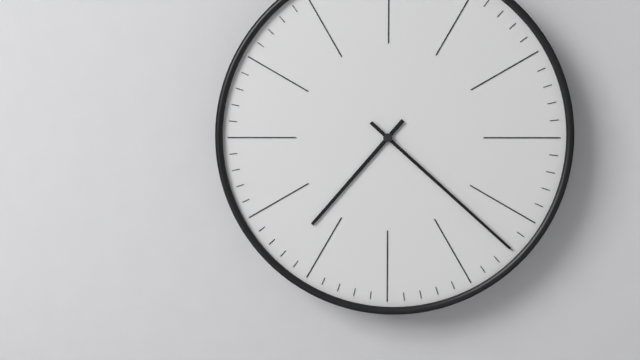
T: 7:22
